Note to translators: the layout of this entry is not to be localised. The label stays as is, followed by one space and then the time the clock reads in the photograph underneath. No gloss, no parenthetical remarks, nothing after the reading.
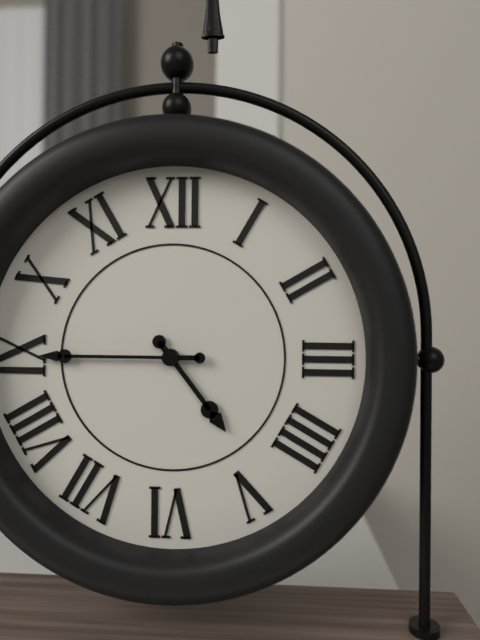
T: 4:45
